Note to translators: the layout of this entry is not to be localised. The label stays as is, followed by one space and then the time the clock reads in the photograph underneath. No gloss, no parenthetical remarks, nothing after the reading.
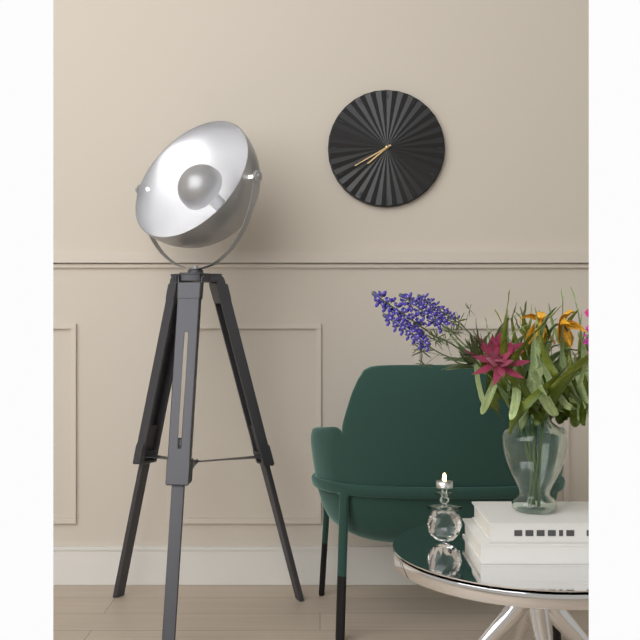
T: 7:40
